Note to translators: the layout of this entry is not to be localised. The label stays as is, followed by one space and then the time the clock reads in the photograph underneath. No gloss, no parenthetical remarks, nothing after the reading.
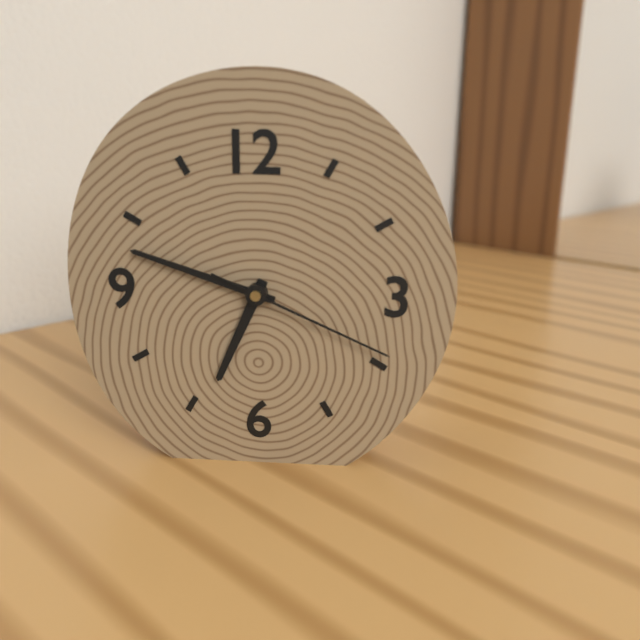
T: 6:48:19
